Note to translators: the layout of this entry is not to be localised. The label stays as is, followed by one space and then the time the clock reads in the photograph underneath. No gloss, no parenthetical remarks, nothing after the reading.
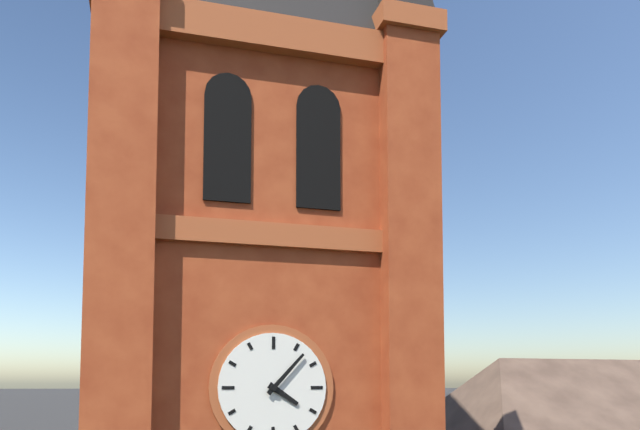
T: 4:07
